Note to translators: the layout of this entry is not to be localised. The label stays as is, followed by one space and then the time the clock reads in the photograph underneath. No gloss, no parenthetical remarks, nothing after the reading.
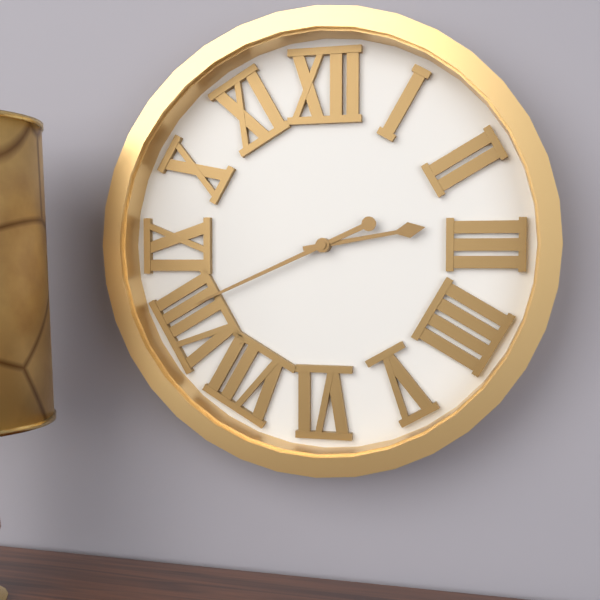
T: 2:41
